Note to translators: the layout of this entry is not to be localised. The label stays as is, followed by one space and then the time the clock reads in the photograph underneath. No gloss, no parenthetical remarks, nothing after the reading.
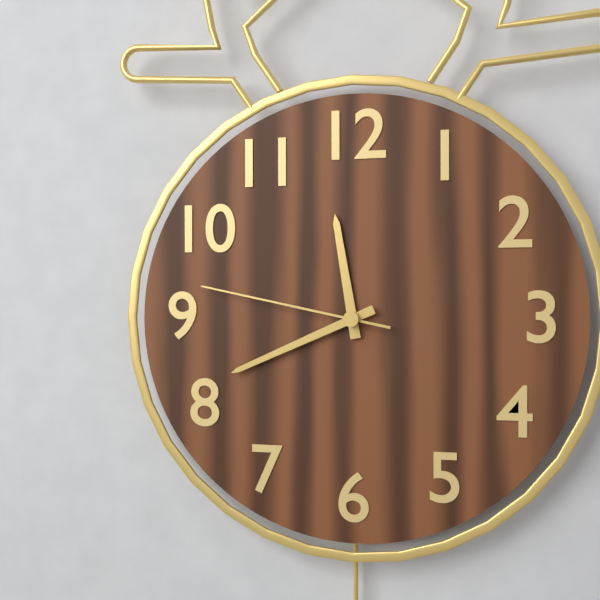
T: 11:41:47
